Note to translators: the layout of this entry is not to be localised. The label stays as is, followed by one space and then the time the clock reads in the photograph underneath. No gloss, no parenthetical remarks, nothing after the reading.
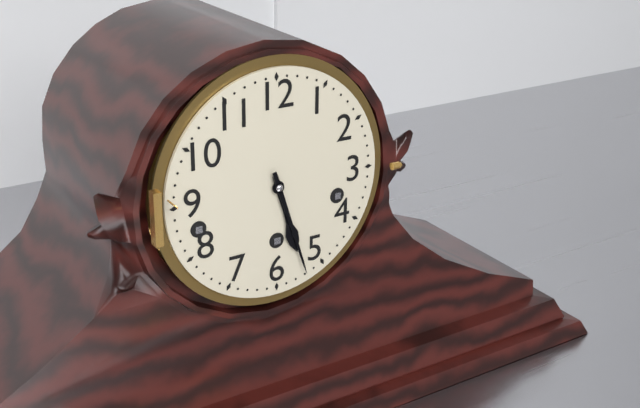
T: 5:27
